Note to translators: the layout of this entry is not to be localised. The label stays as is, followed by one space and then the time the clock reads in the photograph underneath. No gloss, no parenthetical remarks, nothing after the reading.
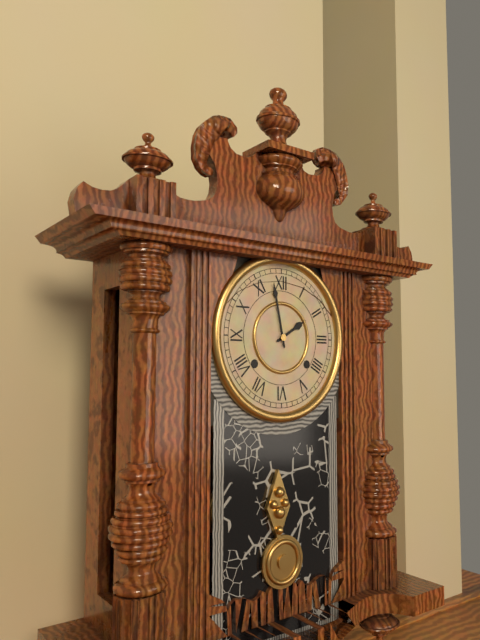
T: 1:58
